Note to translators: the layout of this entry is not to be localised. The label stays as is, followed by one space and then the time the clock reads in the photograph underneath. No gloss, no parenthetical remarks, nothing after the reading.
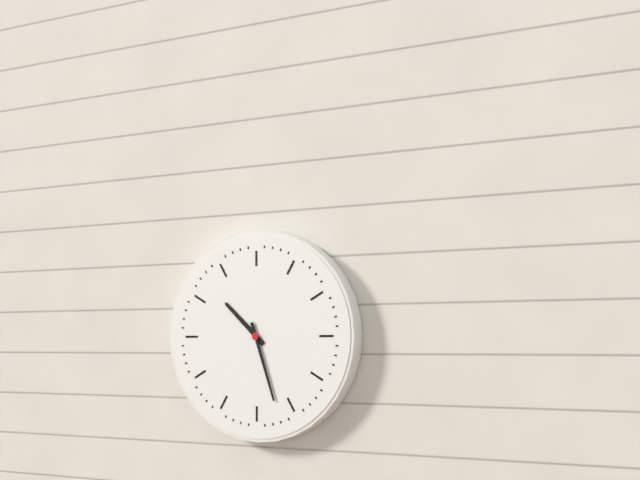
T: 10:27
